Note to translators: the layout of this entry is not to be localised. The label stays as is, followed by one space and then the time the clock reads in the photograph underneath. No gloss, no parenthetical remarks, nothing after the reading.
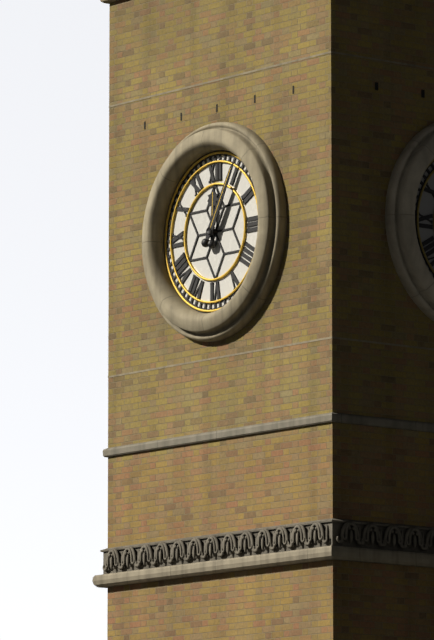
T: 12:05
